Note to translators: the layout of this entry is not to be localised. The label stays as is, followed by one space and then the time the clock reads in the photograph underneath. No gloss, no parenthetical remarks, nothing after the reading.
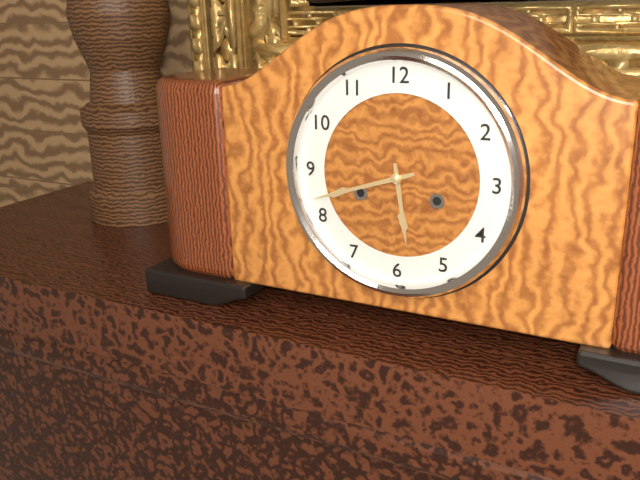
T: 5:42
